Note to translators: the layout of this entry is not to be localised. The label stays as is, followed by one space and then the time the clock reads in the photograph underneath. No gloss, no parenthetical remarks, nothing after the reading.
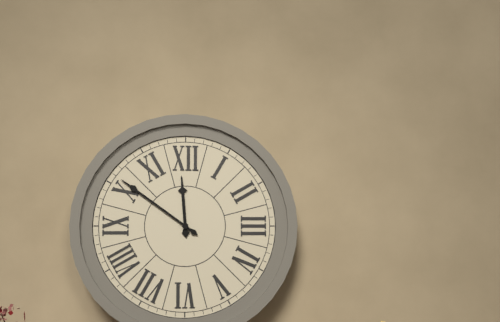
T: 11:51
